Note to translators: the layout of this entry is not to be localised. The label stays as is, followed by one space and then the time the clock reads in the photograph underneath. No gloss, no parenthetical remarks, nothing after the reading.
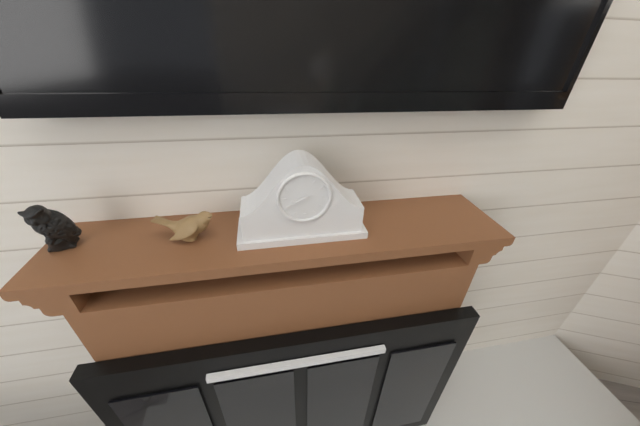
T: 8:41
